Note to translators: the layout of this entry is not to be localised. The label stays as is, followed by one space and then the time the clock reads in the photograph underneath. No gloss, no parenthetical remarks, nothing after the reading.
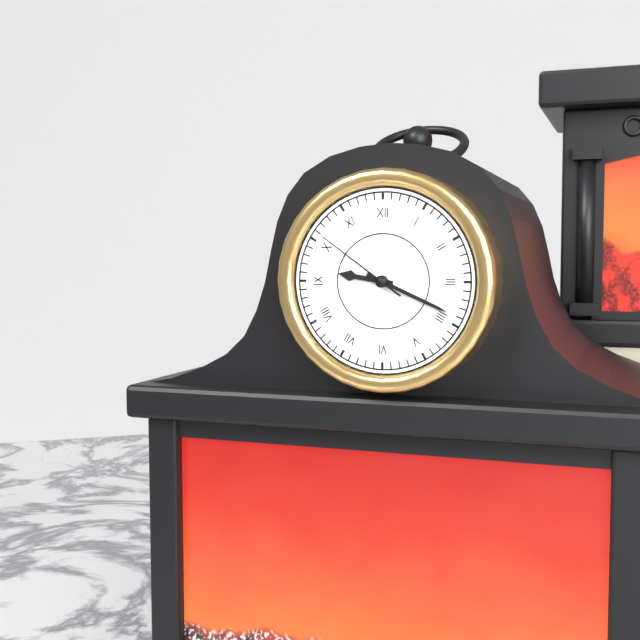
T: 9:19:51
